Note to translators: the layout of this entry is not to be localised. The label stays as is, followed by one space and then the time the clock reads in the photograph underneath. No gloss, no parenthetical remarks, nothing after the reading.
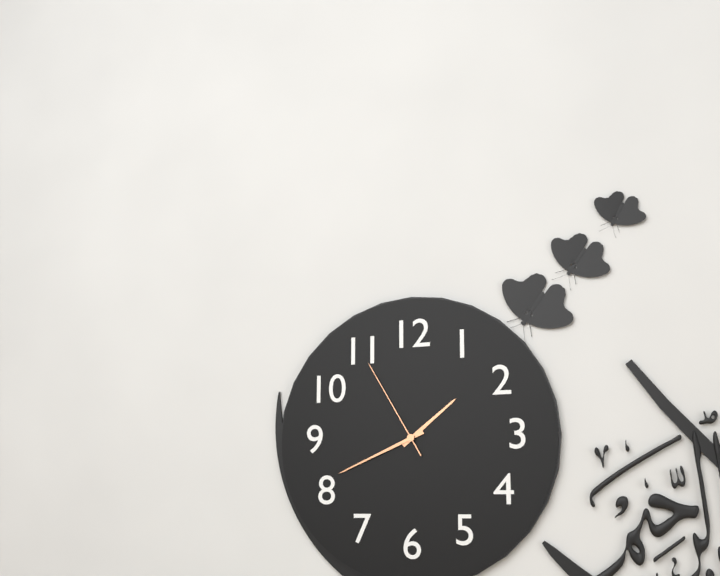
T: 1:41:55
